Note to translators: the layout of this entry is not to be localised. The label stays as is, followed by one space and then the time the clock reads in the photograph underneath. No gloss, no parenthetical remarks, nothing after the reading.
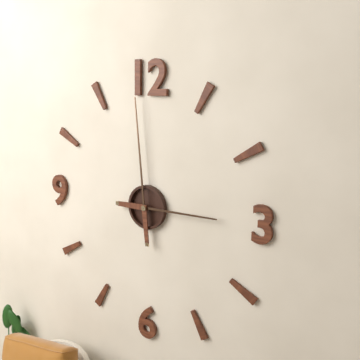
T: 2:59
